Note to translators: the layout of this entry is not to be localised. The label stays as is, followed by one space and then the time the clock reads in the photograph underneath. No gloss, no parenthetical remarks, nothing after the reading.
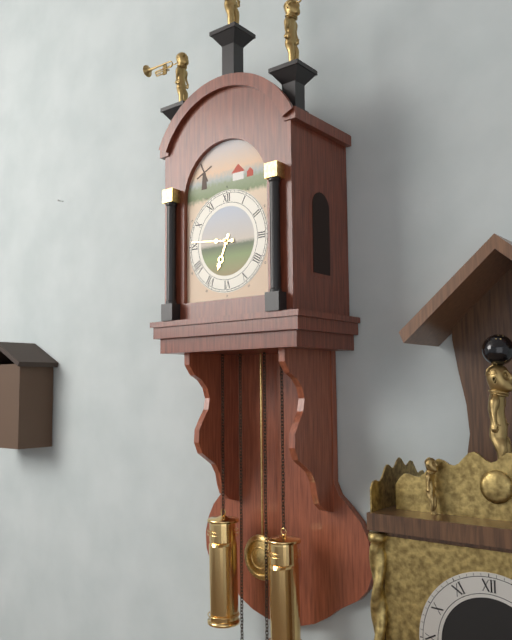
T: 6:46
